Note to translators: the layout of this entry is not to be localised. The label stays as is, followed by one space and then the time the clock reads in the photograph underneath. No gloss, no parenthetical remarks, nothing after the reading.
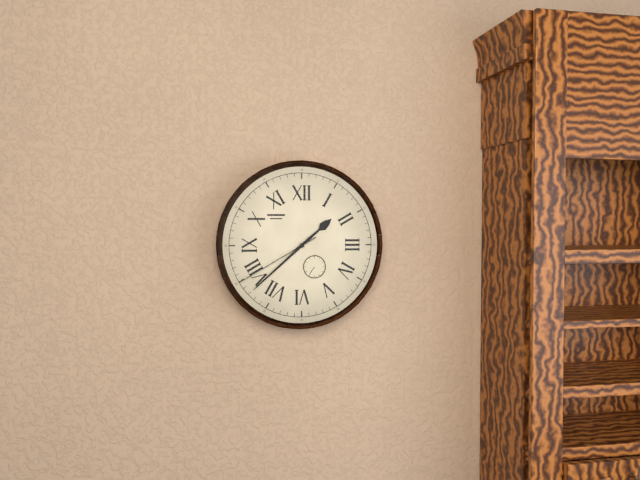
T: 1:38:40
